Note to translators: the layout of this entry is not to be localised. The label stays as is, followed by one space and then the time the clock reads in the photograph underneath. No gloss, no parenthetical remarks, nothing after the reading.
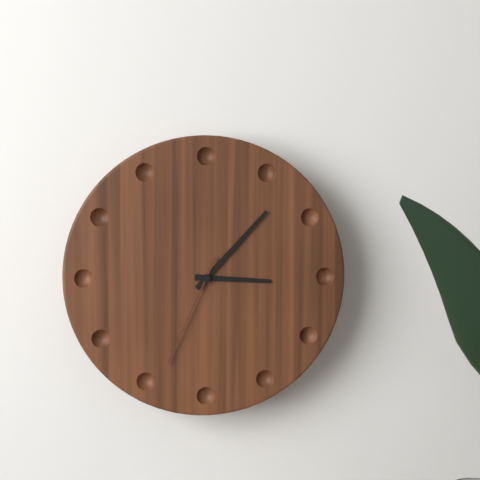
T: 3:07:34
